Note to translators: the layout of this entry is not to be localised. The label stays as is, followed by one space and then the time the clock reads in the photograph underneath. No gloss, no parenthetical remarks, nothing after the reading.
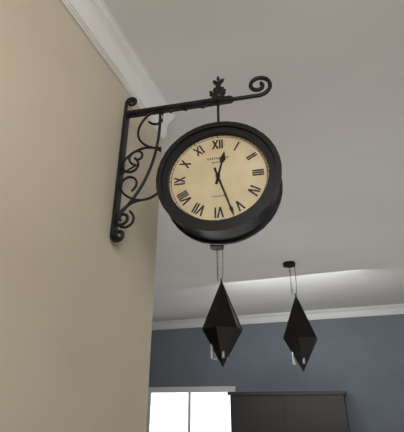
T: 12:27
